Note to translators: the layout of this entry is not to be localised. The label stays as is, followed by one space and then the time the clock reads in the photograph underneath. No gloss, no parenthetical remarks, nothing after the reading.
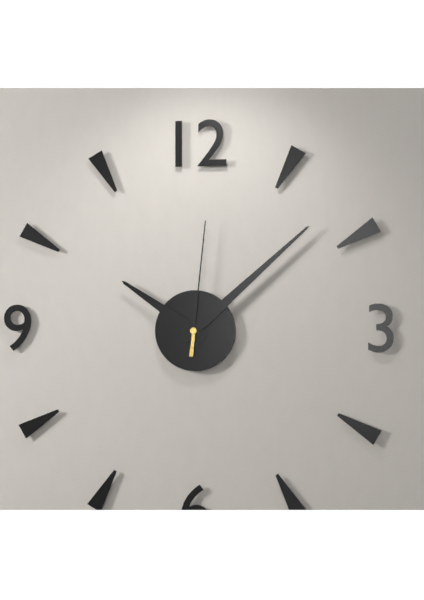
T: 10:08:01
